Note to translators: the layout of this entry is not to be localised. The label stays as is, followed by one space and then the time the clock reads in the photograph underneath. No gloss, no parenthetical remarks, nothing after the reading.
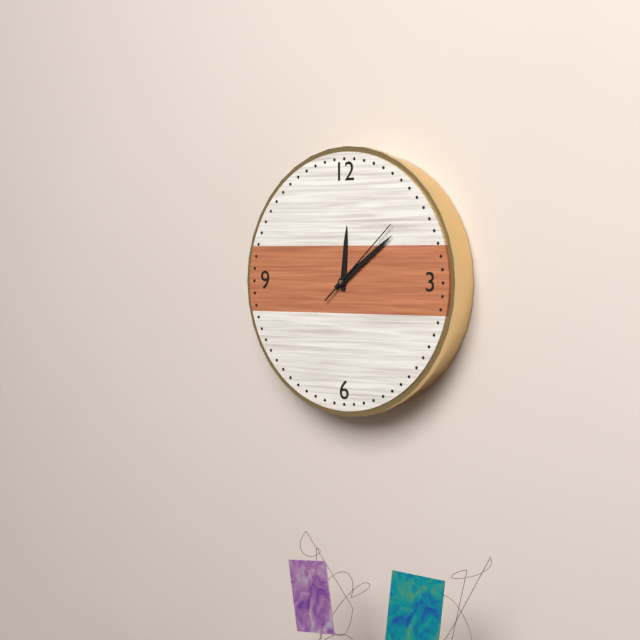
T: 12:09:08
